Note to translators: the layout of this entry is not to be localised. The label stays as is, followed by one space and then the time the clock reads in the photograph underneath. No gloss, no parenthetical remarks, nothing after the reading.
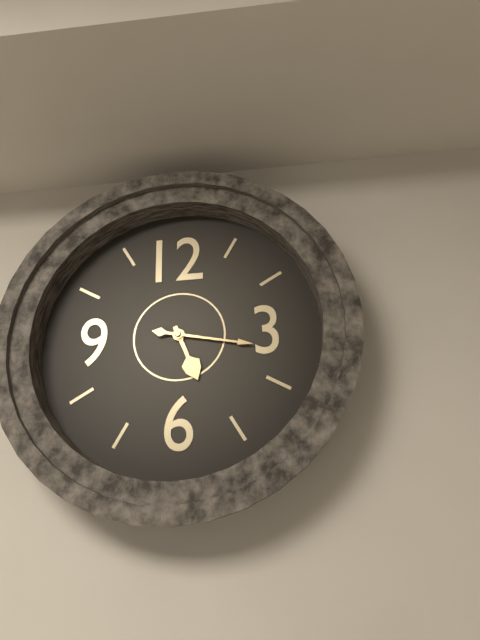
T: 5:17
